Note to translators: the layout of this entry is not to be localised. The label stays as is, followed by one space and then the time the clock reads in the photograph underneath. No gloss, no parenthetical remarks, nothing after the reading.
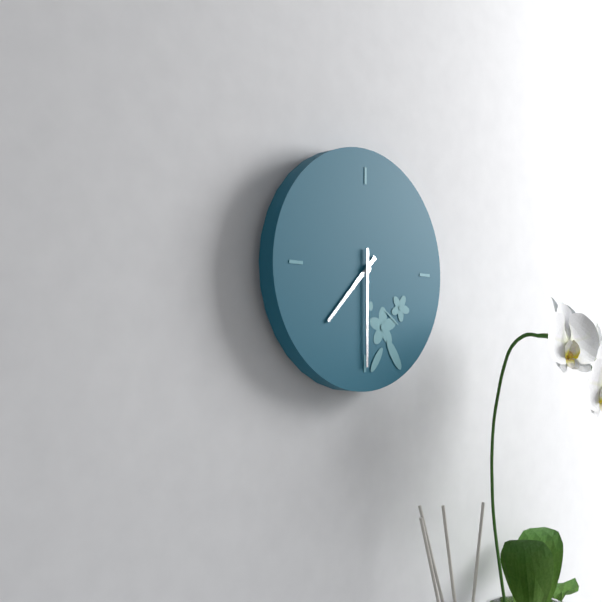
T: 7:30
